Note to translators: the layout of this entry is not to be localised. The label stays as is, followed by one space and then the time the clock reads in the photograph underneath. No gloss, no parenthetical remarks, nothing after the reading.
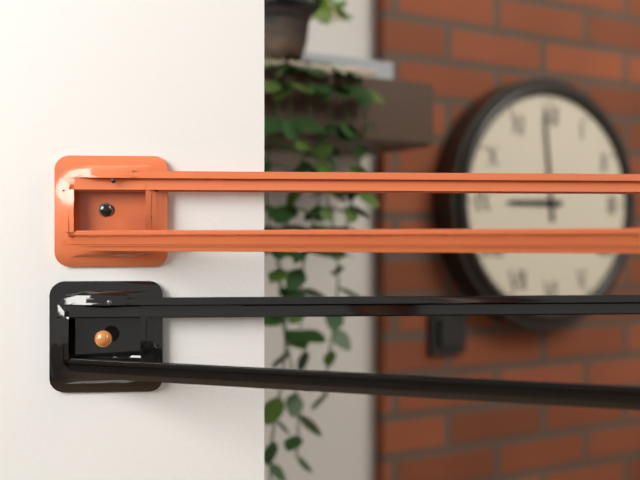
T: 8:59
